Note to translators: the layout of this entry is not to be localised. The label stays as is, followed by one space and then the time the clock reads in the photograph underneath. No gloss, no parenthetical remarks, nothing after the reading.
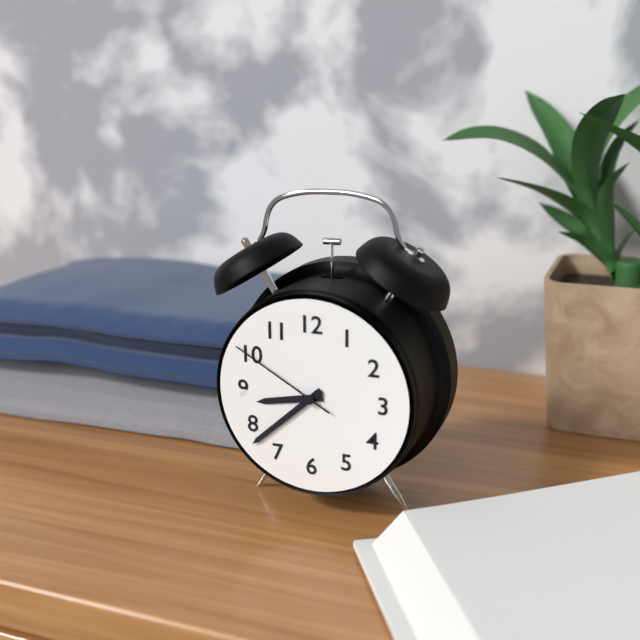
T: 8:38:50
